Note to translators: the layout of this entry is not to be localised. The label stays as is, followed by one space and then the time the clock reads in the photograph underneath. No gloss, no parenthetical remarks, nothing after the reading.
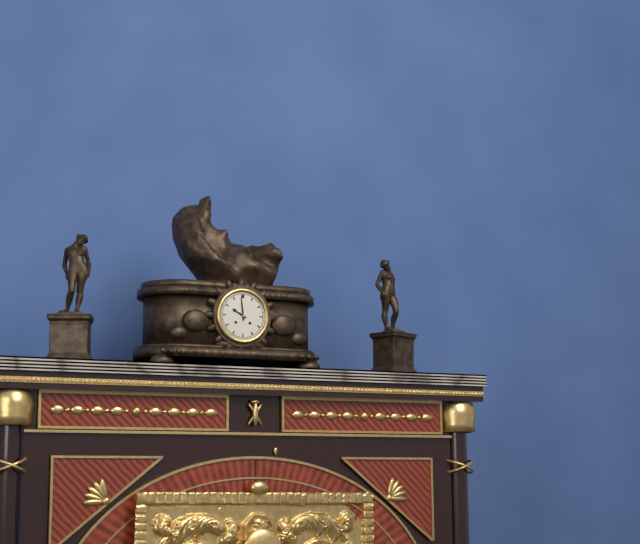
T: 9:59
